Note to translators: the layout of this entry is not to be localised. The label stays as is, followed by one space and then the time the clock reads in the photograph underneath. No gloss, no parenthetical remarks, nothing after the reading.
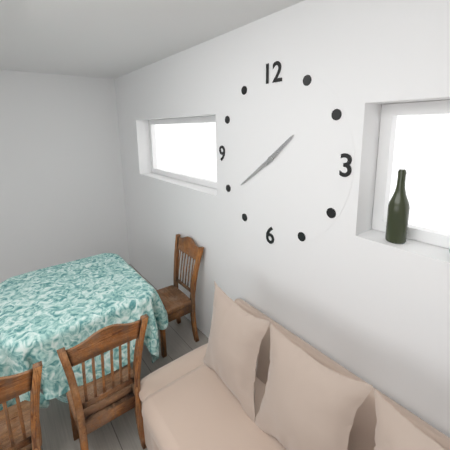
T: 1:39
